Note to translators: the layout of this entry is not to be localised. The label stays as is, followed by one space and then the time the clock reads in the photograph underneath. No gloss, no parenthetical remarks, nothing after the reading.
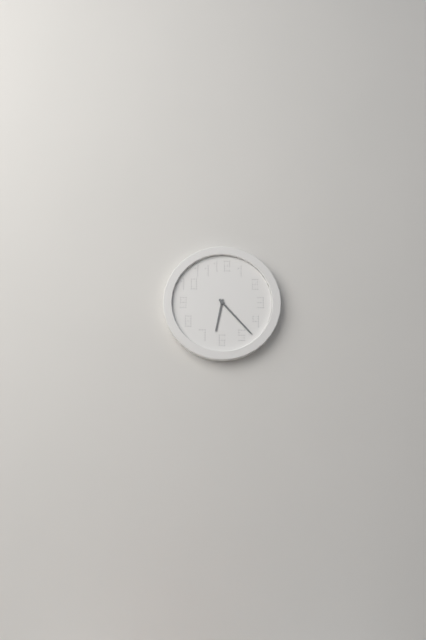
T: 6:23
